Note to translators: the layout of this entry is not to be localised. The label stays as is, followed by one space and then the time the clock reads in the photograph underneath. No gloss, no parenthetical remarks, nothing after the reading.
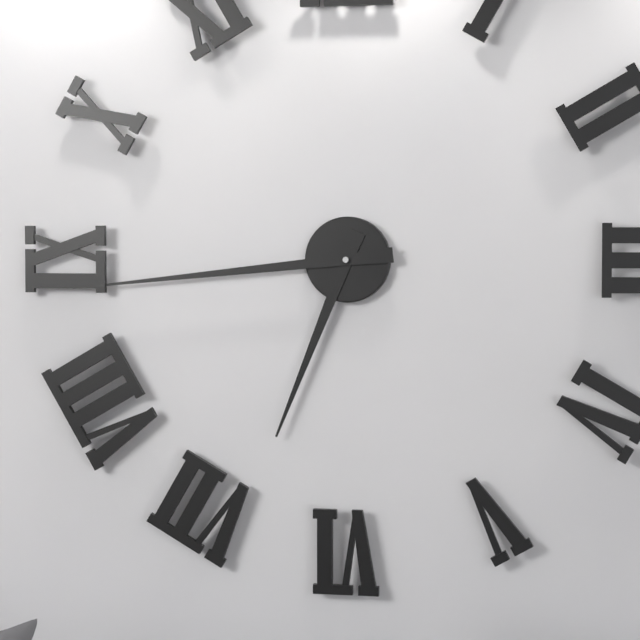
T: 6:44
